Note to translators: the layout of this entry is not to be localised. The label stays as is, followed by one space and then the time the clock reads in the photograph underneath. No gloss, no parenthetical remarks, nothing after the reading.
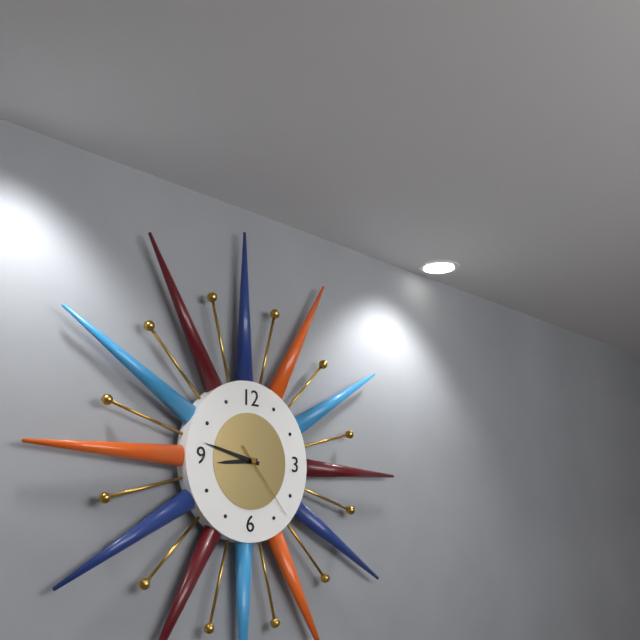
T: 8:47:23
